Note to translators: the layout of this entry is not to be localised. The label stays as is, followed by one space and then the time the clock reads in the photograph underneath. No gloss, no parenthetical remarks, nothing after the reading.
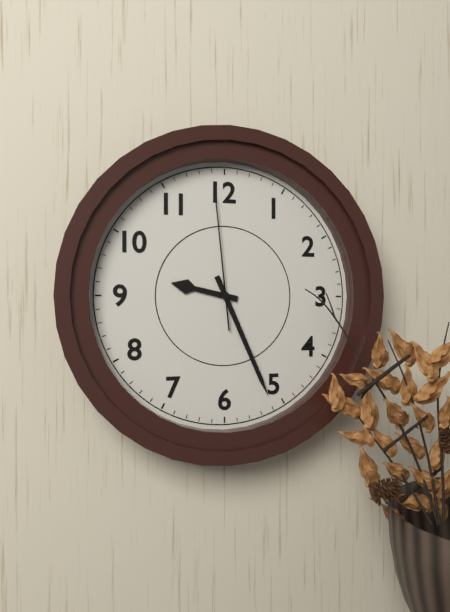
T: 9:26:59
